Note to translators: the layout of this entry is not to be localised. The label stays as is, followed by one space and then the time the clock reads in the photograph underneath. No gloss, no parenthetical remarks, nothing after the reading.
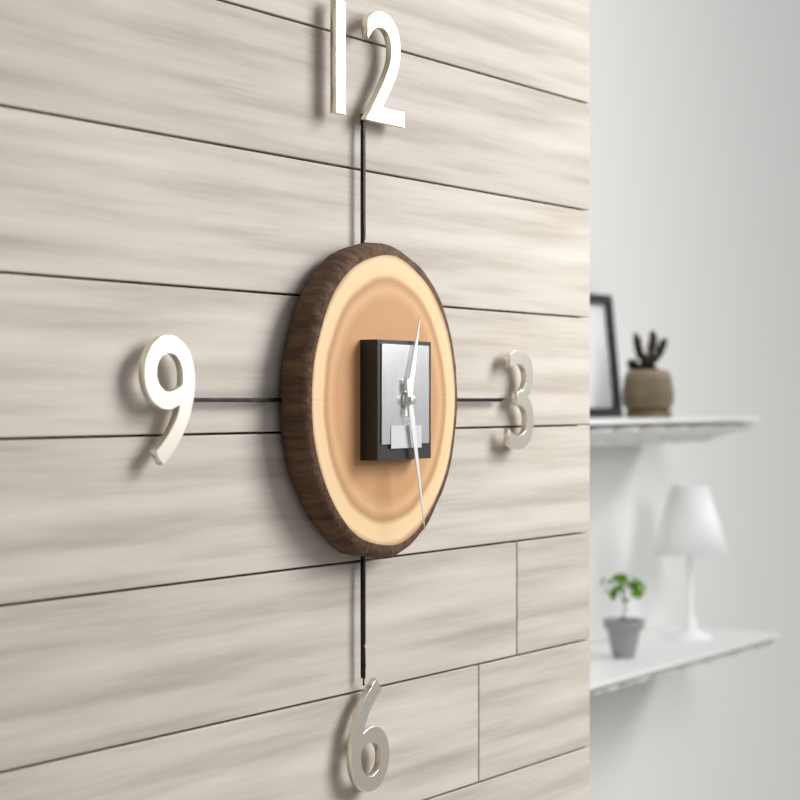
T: 12:28
